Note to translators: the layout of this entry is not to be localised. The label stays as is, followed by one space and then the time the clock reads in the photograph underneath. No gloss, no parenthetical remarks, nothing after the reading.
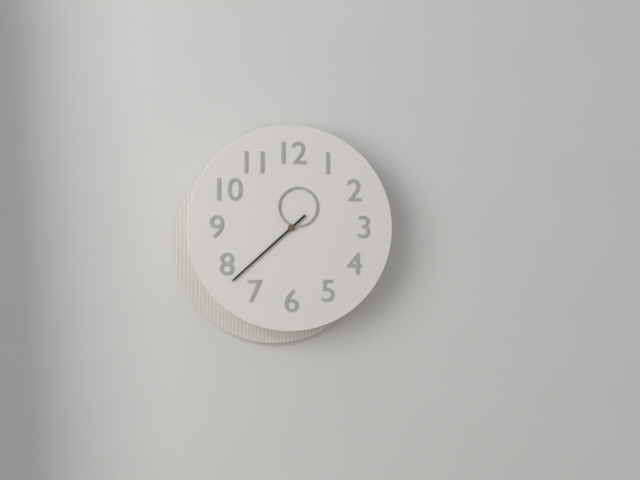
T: 12:38
